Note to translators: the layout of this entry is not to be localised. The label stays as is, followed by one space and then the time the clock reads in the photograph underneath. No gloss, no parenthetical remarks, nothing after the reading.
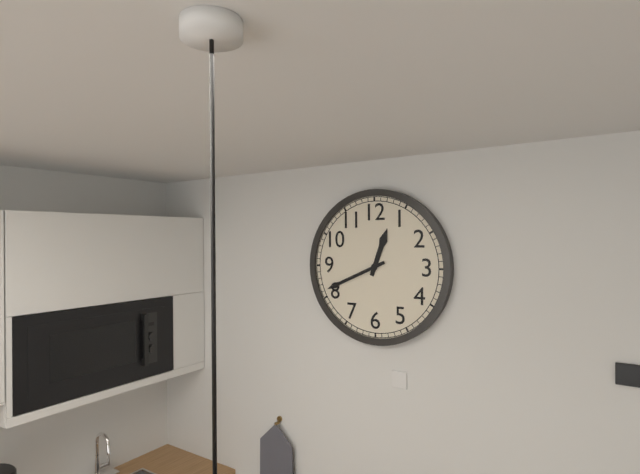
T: 12:41
